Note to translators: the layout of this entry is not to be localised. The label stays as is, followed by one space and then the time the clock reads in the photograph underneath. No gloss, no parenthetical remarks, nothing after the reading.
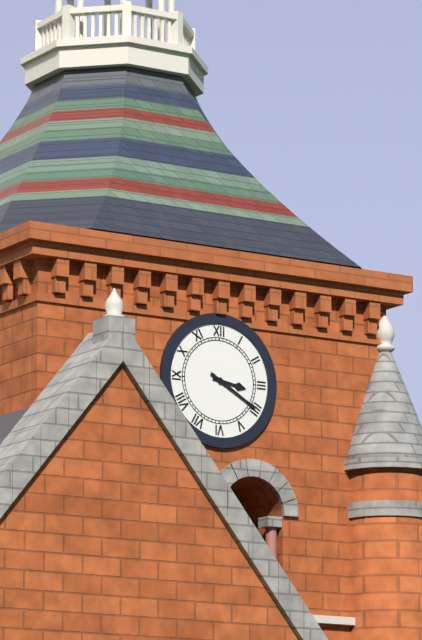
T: 3:20
